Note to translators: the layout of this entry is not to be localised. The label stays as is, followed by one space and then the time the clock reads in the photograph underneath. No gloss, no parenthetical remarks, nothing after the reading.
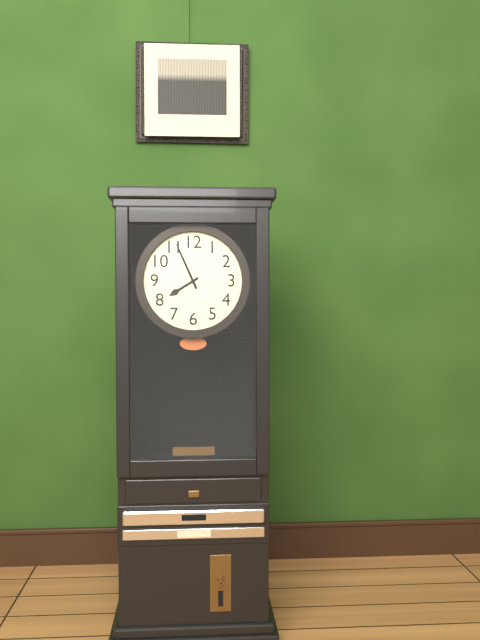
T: 7:56
